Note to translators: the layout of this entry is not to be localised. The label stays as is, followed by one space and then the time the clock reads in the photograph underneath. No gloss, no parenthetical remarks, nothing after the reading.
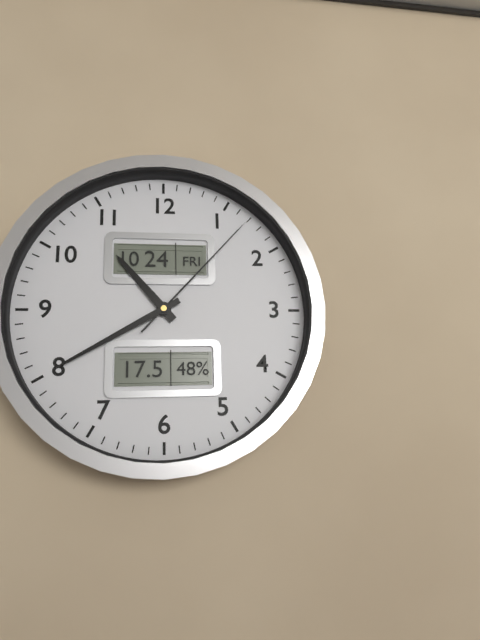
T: 10:40:07
